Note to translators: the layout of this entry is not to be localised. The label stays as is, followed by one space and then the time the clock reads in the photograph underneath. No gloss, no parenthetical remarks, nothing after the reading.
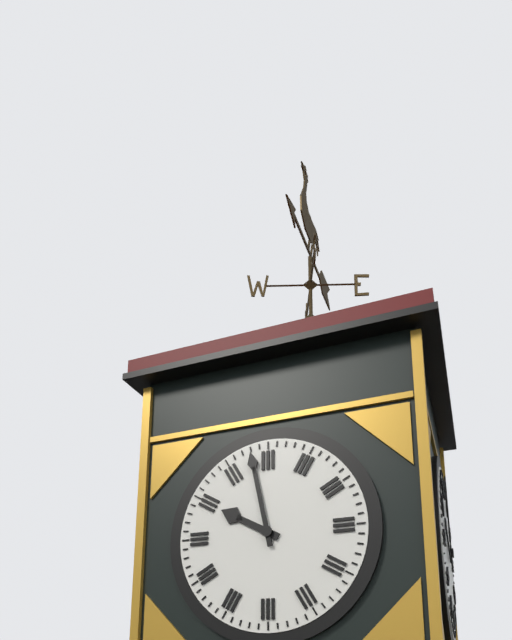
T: 9:58
